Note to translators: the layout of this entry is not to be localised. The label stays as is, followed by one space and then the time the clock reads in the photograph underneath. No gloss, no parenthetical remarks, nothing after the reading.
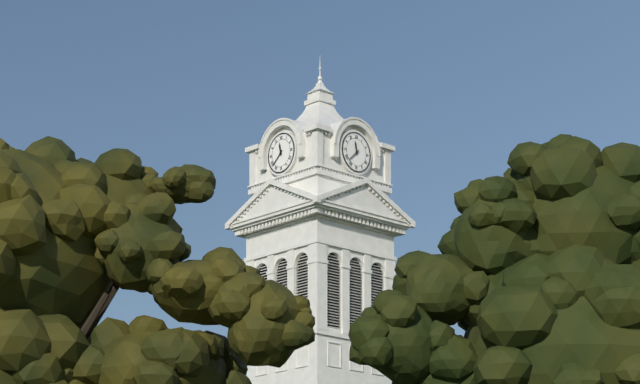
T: 11:38
